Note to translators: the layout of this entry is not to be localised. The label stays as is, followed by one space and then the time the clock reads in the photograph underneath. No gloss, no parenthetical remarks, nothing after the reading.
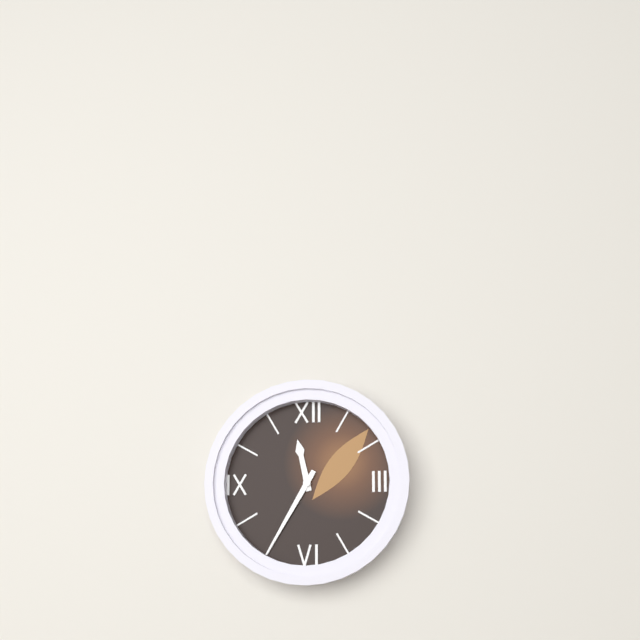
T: 11:35
